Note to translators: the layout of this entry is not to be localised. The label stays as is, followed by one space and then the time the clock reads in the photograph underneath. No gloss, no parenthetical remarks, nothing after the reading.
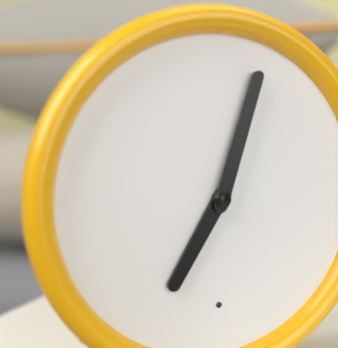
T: 7:03
